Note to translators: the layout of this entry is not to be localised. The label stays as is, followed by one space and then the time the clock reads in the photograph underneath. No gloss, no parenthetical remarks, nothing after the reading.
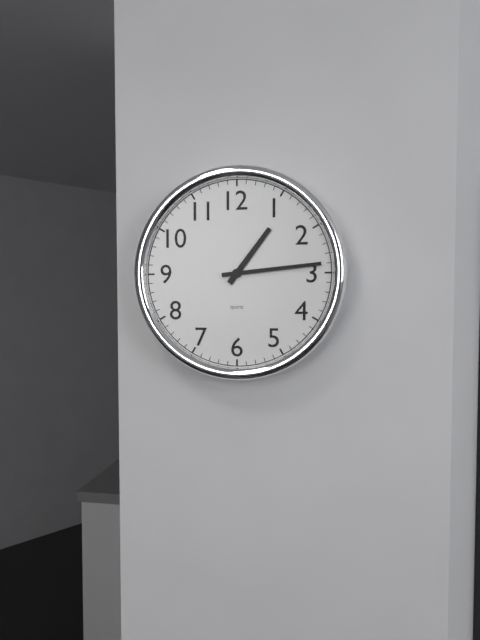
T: 1:14
